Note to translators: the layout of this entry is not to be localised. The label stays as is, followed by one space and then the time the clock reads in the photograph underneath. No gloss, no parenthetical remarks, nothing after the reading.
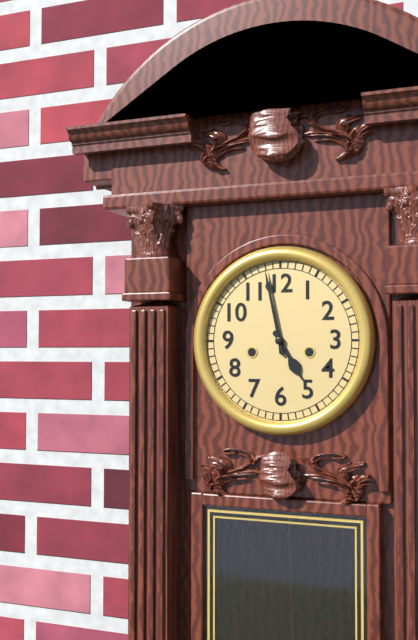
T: 4:58
